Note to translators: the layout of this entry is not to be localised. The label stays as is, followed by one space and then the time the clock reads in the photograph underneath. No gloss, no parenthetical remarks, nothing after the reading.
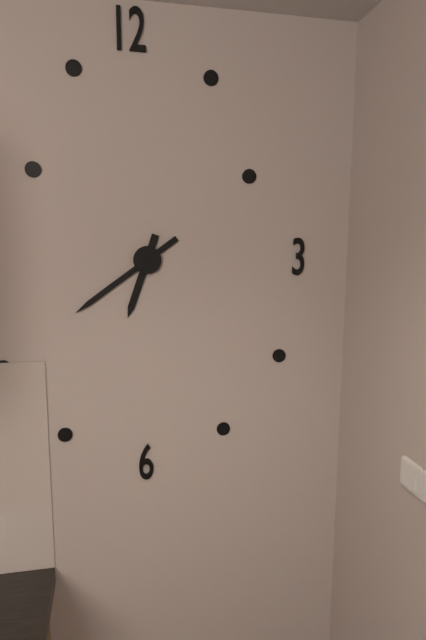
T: 6:39
